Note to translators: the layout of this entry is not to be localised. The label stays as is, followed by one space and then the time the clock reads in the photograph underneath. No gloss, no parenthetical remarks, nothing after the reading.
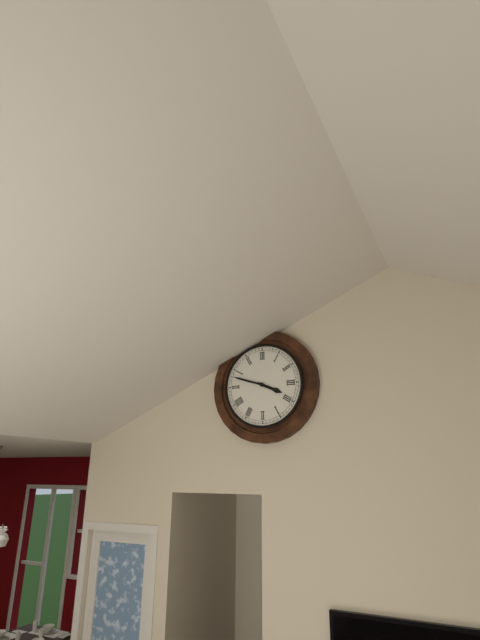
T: 3:48
